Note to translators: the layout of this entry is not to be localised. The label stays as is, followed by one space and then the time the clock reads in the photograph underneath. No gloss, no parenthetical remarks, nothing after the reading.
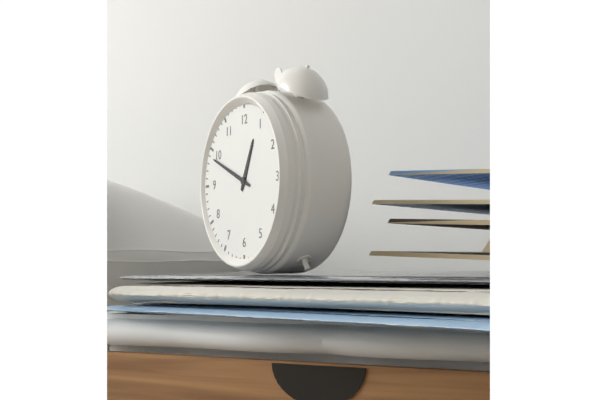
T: 12:49
